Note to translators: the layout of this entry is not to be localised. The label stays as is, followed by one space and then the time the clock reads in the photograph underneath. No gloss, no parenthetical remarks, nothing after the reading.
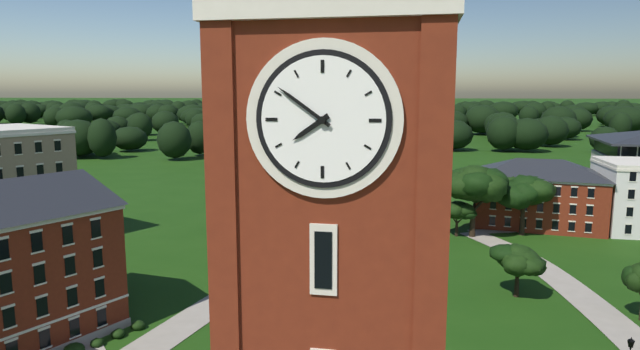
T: 7:51
